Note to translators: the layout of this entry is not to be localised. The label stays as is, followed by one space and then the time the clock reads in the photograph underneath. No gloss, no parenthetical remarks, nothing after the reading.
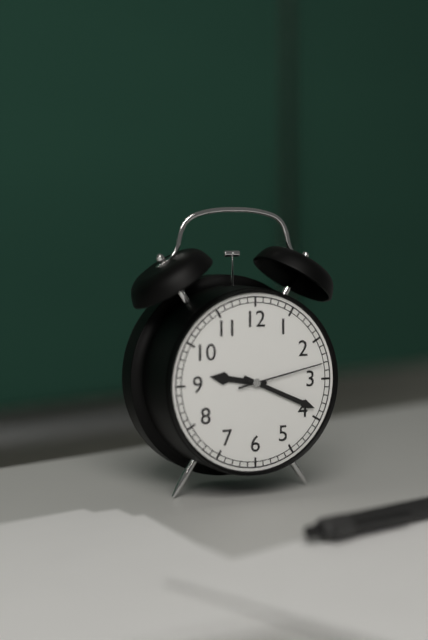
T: 9:19:13
